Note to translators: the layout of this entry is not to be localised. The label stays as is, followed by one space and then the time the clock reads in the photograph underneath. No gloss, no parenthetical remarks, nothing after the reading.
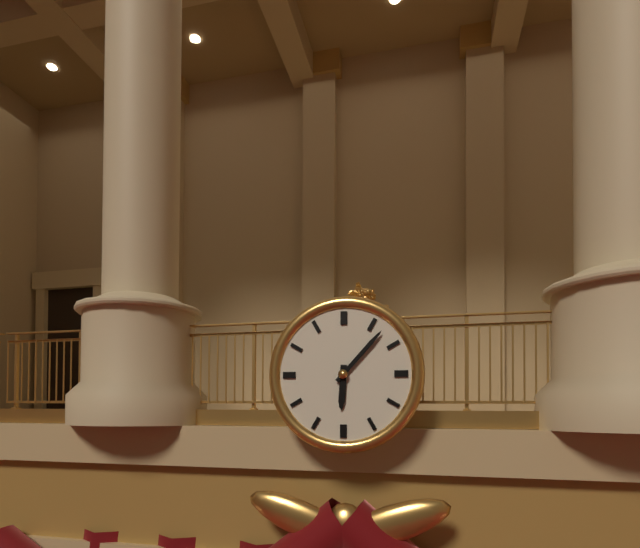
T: 6:07
